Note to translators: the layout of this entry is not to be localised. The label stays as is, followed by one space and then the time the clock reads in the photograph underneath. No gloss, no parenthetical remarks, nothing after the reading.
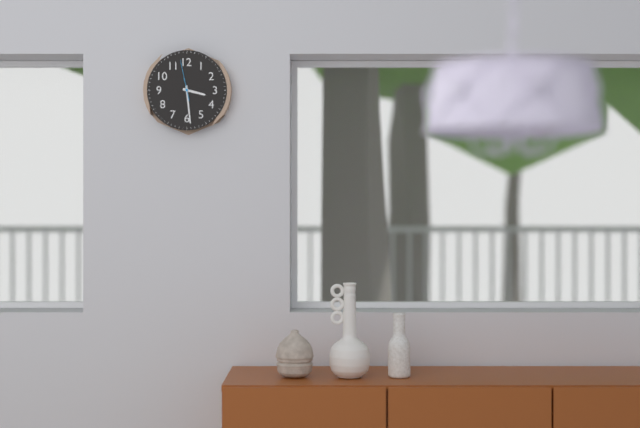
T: 3:29
